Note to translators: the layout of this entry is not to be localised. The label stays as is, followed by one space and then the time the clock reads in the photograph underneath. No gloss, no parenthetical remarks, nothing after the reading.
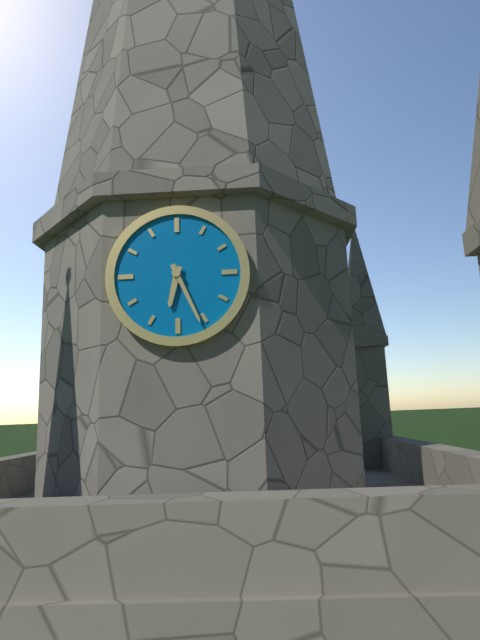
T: 6:26
